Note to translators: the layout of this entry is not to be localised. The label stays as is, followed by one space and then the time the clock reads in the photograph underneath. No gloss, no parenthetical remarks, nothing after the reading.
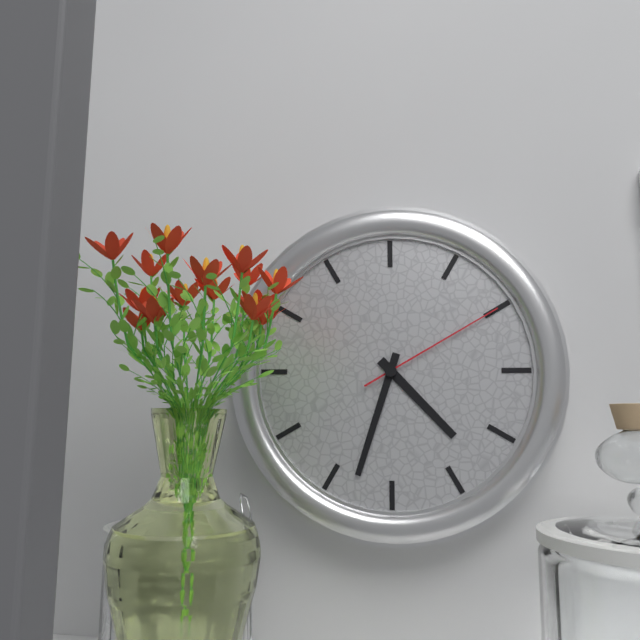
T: 4:33:10
